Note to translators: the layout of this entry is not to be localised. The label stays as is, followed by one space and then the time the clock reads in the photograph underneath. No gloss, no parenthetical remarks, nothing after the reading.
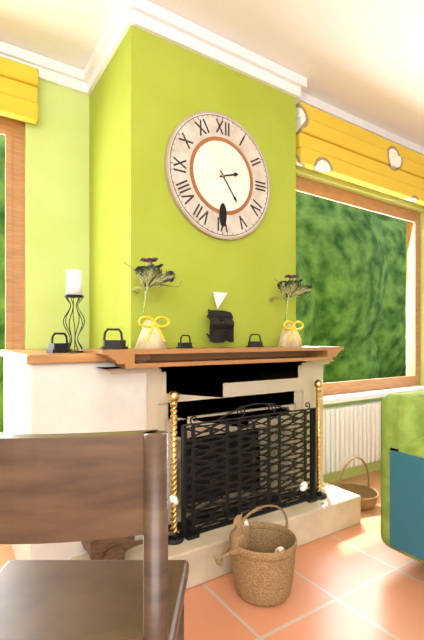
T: 2:24
